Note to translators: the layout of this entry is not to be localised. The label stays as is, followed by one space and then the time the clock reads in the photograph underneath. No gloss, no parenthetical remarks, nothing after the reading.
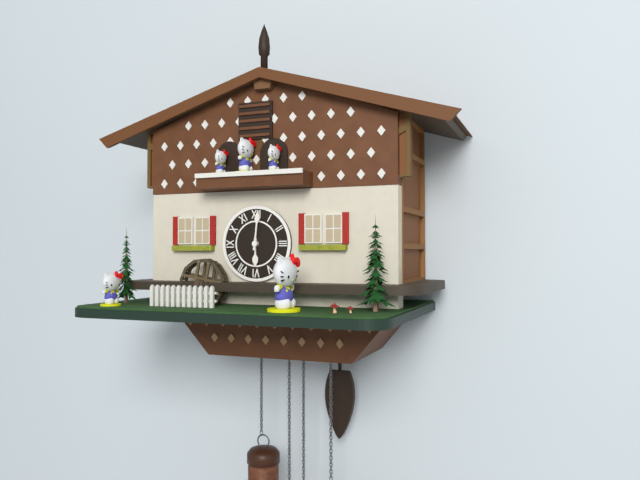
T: 6:01
